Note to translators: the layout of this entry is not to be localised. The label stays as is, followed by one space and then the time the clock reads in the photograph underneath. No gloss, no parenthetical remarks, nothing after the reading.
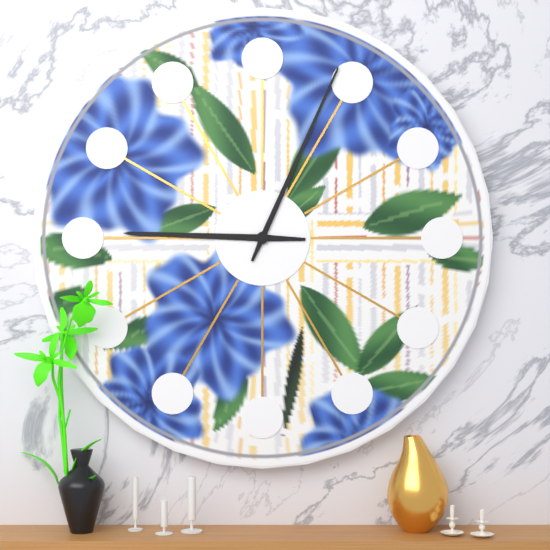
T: 9:04
